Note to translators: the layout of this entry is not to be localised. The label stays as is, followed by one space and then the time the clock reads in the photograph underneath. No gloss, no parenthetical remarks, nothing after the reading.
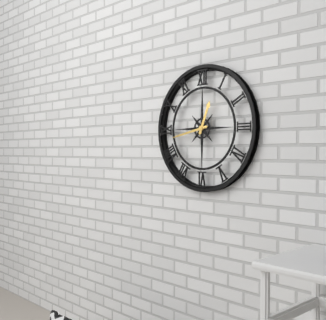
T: 12:43
